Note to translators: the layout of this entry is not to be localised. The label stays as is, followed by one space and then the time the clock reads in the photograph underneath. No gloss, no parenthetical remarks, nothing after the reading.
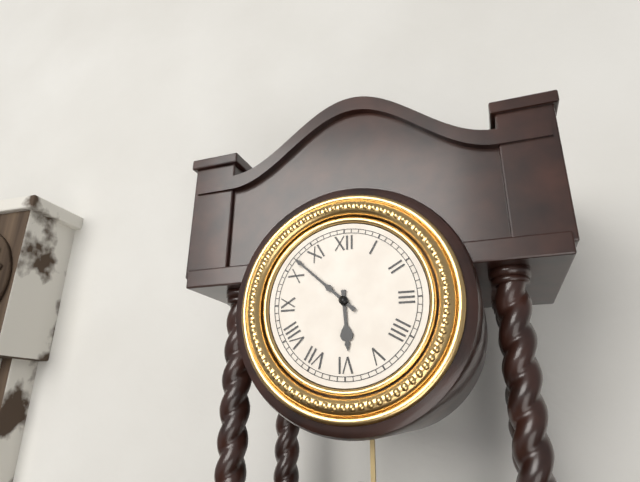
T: 5:52
